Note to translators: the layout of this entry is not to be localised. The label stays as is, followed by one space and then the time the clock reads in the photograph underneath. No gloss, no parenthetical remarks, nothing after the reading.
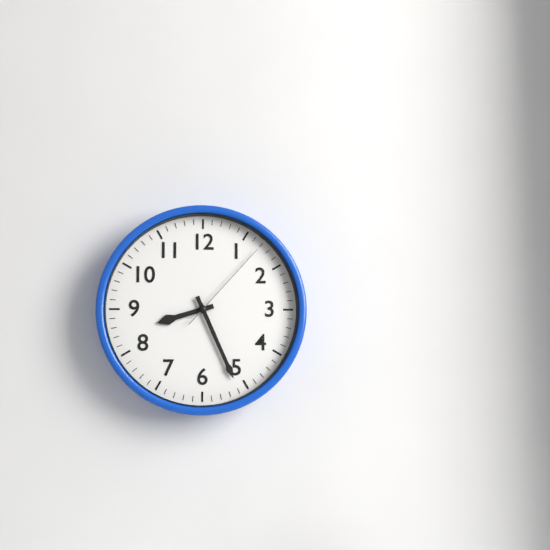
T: 8:26:07
